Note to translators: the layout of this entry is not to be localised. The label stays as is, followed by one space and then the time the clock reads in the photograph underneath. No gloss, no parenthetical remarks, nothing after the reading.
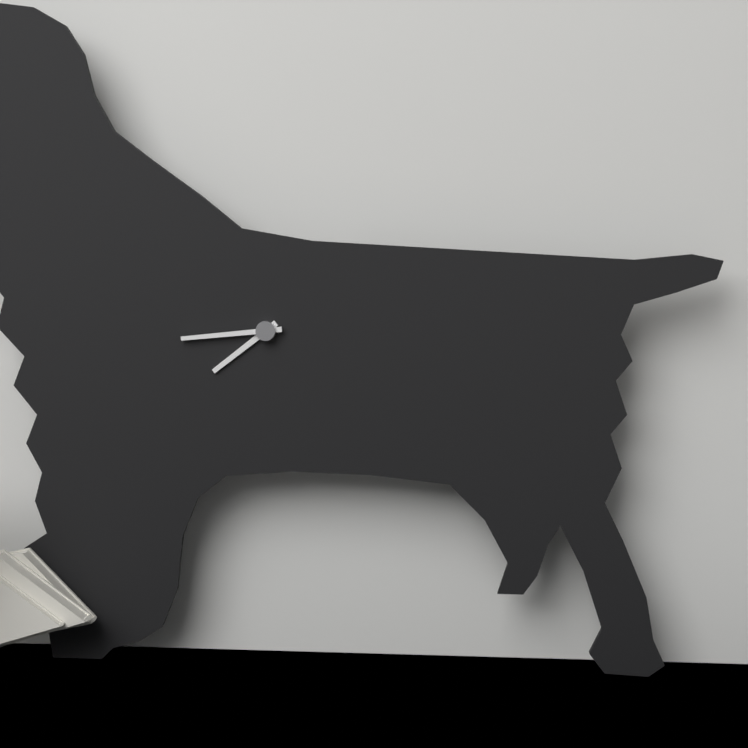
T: 7:44
